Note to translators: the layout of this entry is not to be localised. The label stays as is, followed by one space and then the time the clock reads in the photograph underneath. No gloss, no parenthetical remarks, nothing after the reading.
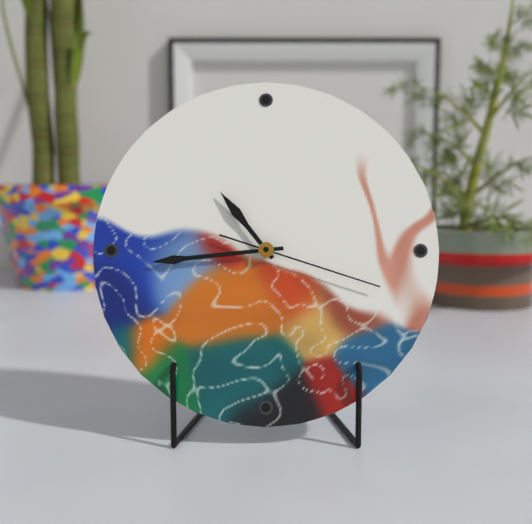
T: 10:44:18
